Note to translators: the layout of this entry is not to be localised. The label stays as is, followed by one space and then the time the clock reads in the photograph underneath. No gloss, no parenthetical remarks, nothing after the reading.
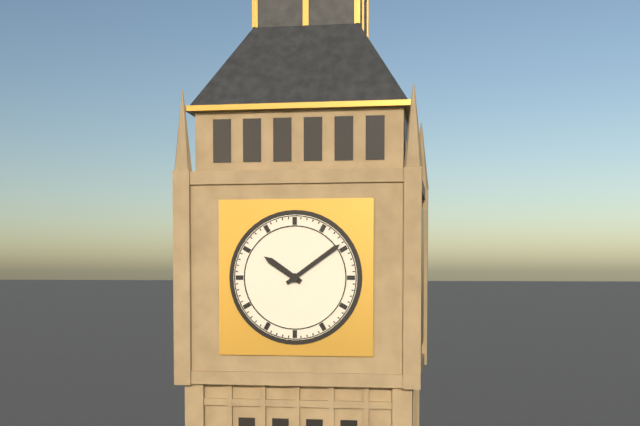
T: 10:09
